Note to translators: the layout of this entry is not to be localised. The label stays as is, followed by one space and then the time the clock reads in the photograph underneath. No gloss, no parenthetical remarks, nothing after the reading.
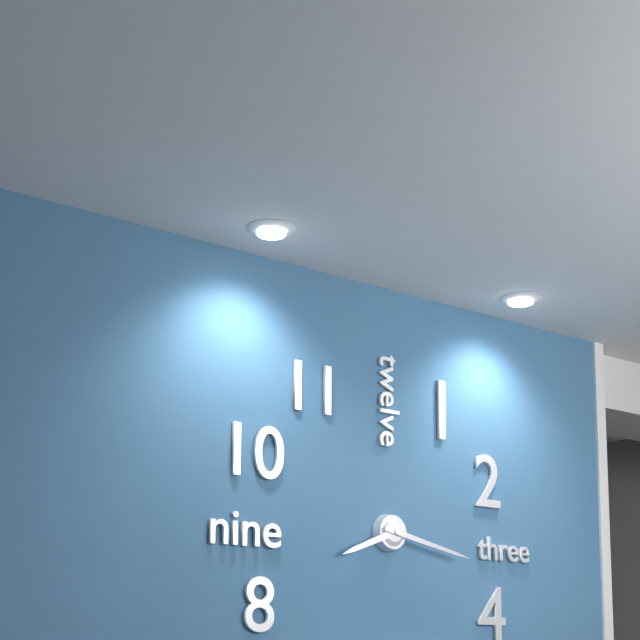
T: 8:17
